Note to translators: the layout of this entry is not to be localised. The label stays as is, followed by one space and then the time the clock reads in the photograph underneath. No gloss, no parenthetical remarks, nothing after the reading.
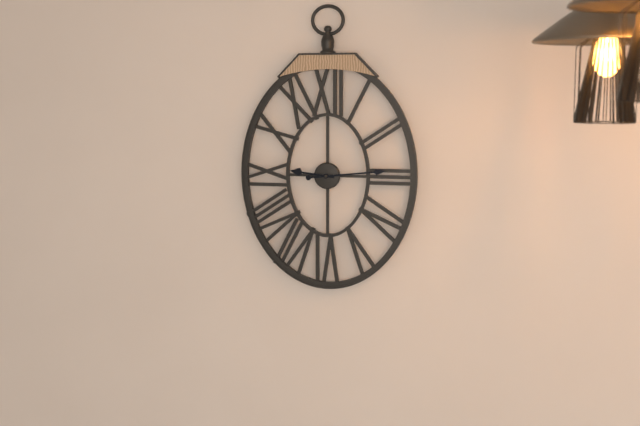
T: 9:14
